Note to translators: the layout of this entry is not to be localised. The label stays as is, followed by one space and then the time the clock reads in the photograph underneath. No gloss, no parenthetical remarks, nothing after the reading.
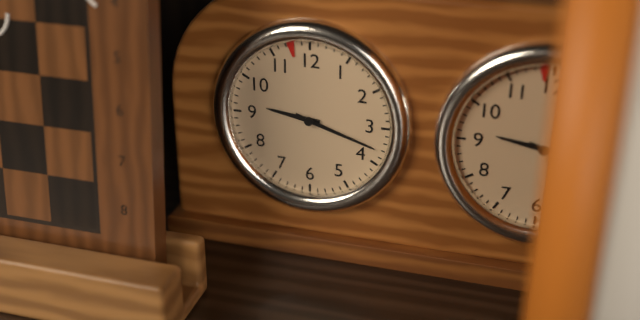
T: 9:18
